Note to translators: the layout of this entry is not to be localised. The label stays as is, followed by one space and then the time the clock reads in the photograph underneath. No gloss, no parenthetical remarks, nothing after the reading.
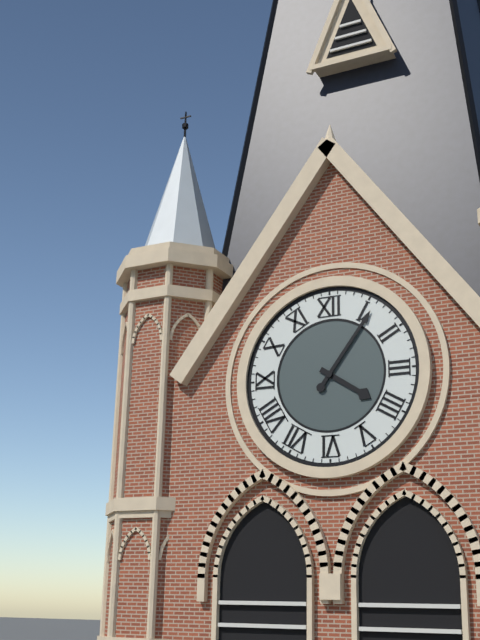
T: 4:06
